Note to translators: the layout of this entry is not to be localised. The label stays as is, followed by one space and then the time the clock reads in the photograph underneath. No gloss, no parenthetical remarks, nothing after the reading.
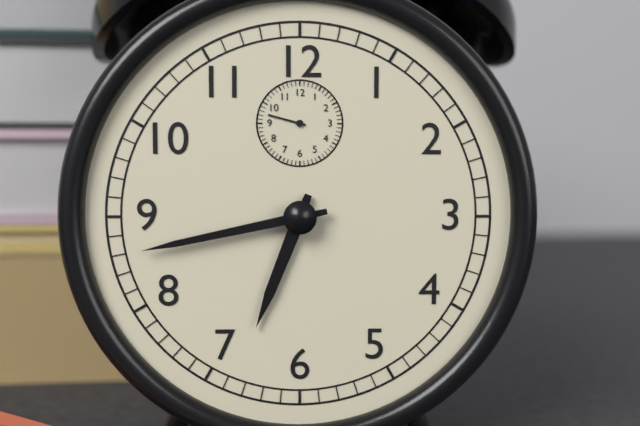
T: 6:43
